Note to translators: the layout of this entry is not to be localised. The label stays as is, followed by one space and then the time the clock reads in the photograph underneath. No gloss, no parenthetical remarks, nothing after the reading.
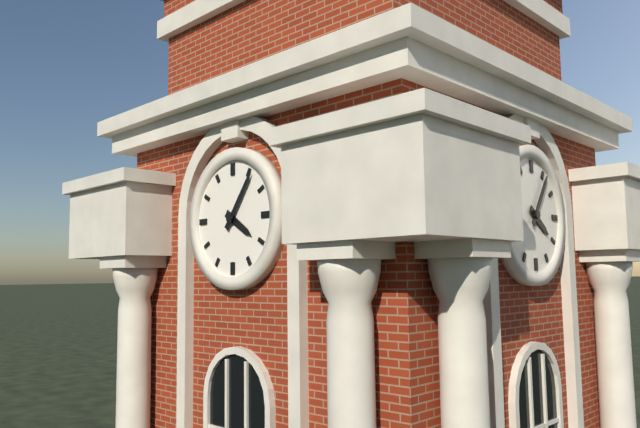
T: 4:06
